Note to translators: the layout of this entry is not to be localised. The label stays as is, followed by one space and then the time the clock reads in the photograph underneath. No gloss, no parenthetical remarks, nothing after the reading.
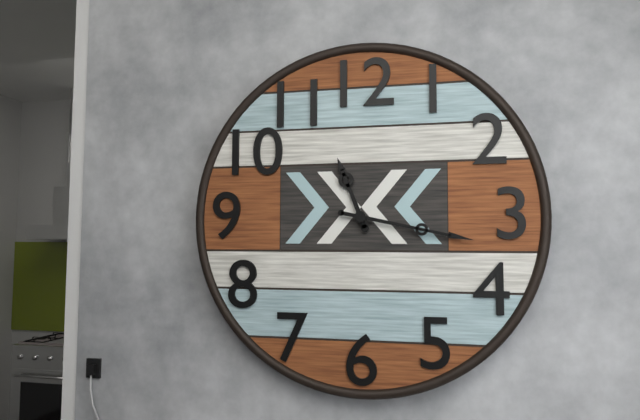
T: 11:17
